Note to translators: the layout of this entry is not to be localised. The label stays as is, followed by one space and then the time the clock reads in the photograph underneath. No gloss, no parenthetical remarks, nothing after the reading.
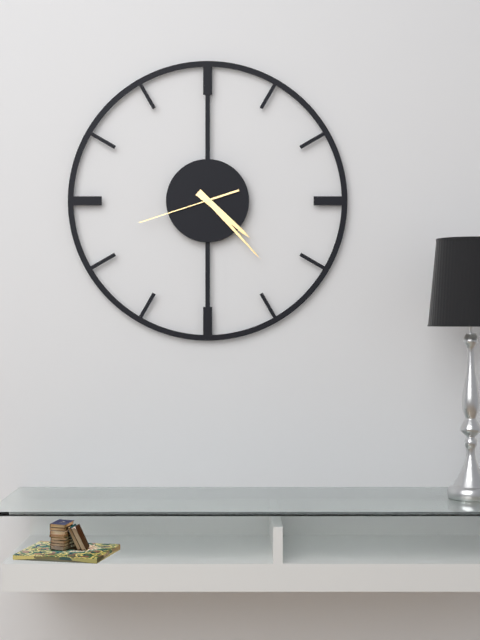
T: 4:23:42
